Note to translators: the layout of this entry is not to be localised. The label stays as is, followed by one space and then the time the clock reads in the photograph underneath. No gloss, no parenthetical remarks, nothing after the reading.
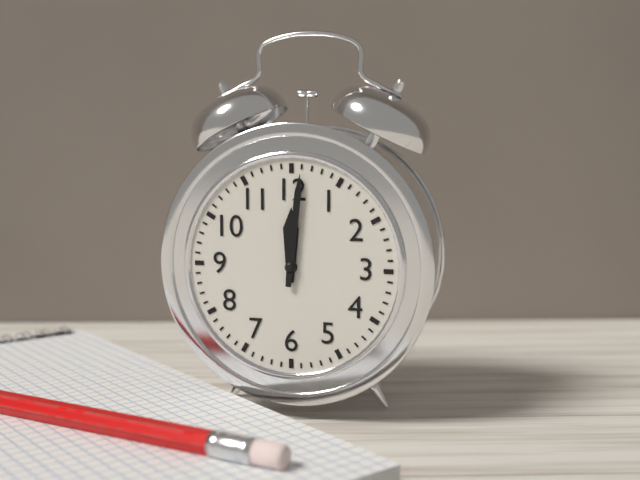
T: 12:01
